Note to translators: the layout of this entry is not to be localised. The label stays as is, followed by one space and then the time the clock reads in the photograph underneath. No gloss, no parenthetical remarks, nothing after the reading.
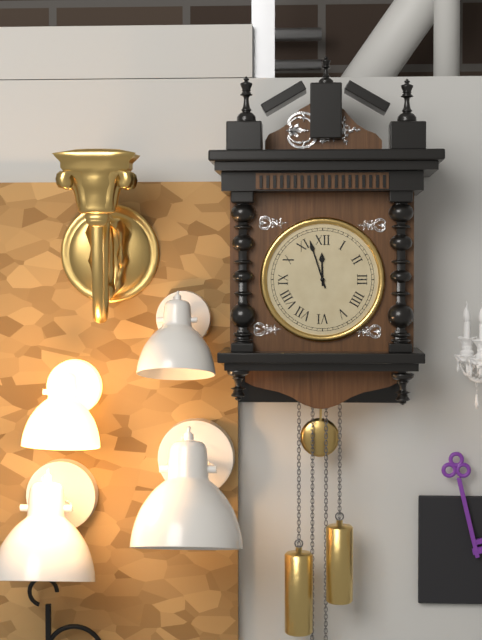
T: 11:57
